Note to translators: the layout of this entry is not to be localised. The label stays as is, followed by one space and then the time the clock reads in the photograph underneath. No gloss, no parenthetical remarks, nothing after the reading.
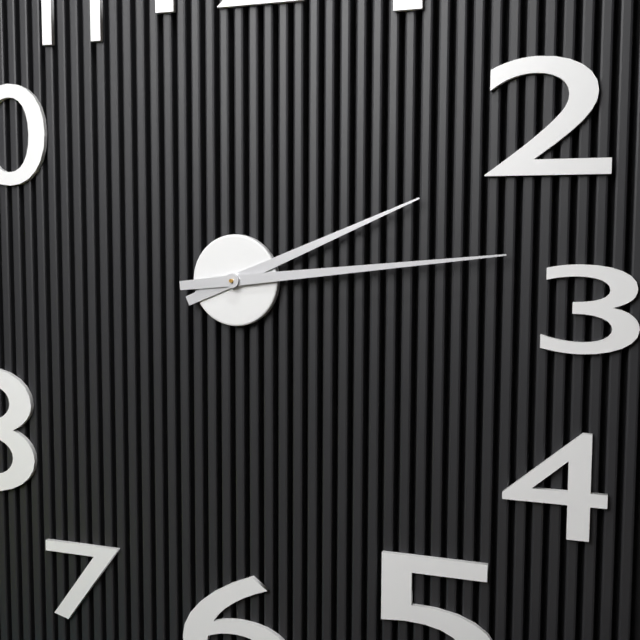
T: 2:14
